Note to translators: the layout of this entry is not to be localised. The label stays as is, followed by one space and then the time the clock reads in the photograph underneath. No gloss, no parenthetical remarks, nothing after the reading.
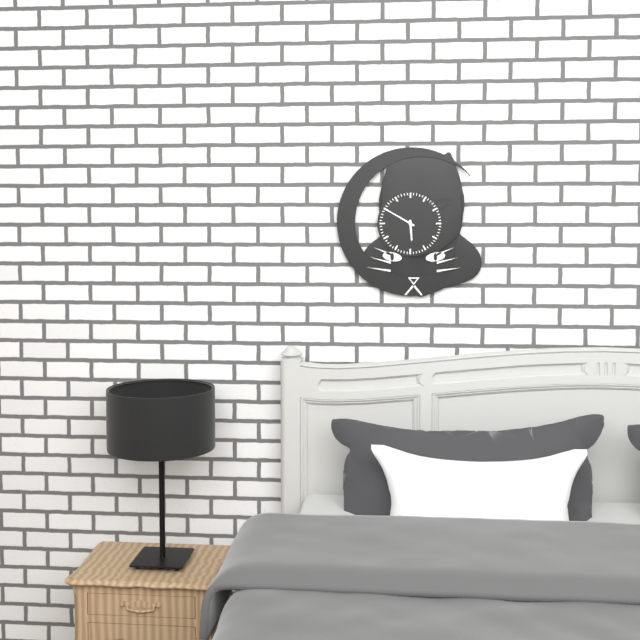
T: 5:50
